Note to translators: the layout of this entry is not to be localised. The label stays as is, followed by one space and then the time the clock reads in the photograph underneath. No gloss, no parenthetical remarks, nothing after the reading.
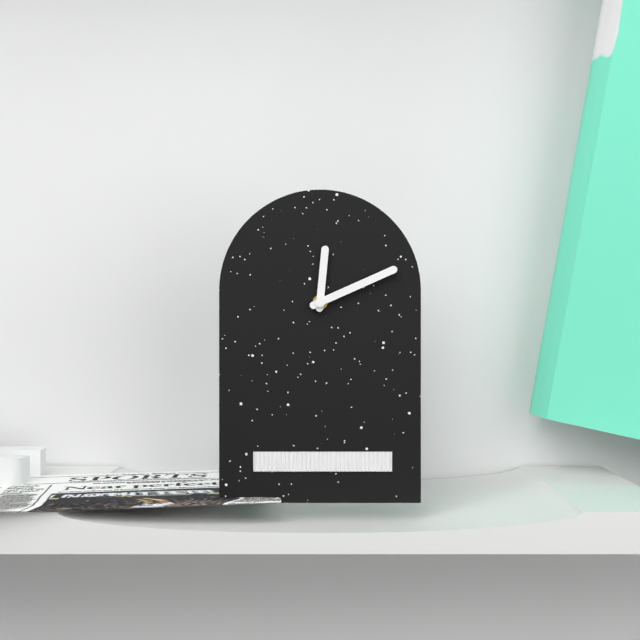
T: 12:11
